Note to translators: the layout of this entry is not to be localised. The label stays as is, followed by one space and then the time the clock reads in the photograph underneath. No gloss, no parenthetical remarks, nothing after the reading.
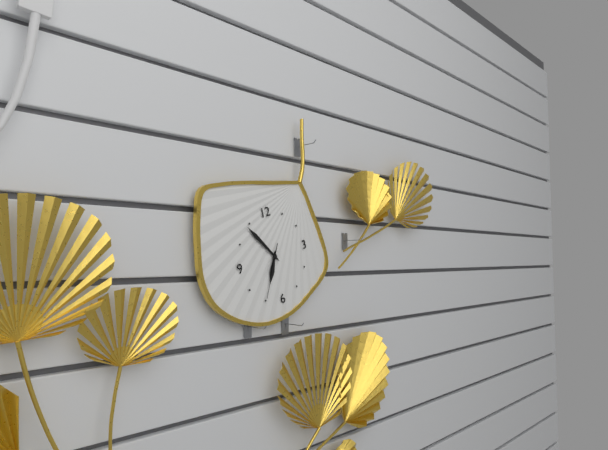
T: 6:54:35
